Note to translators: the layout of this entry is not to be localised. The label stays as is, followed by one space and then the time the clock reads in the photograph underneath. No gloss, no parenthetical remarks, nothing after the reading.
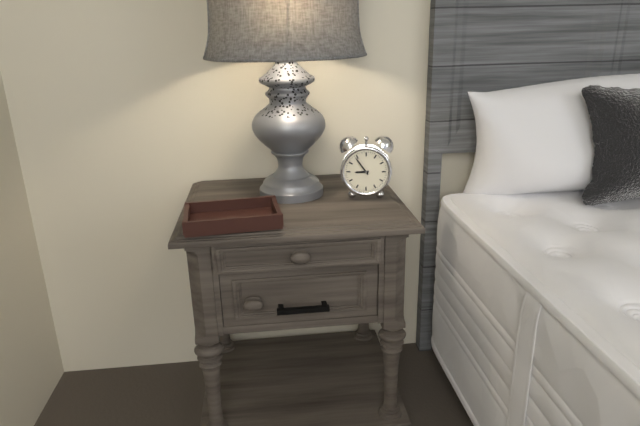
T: 8:54
